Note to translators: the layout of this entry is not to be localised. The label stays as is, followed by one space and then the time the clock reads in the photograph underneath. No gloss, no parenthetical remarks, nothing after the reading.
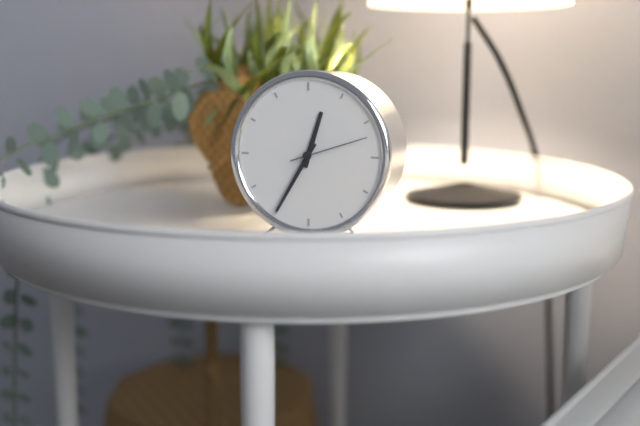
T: 12:35:12
